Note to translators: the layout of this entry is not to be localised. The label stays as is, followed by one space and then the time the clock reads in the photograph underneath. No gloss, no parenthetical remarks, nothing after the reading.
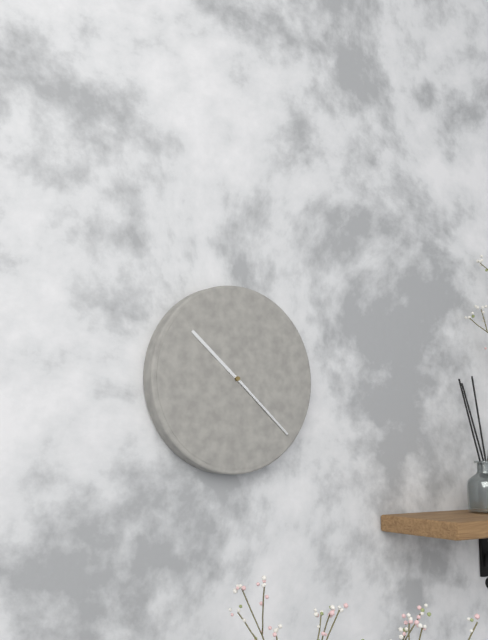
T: 10:22
